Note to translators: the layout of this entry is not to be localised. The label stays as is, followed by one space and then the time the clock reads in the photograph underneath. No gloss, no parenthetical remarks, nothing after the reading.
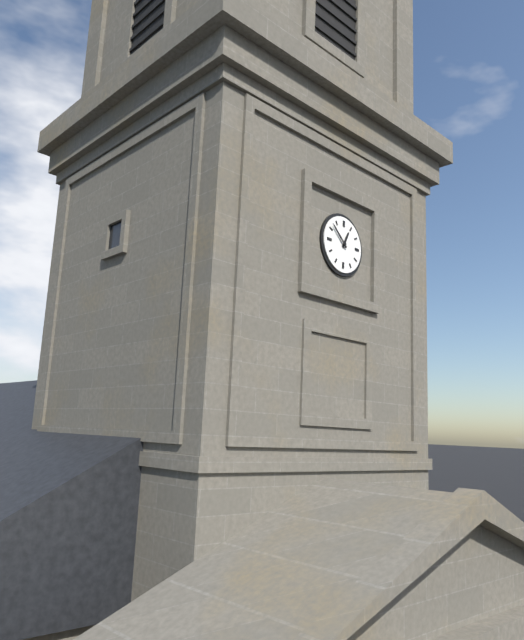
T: 12:52
